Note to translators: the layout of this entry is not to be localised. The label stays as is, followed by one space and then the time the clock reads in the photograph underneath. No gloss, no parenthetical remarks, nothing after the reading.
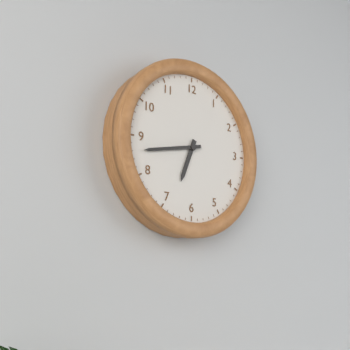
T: 6:43
